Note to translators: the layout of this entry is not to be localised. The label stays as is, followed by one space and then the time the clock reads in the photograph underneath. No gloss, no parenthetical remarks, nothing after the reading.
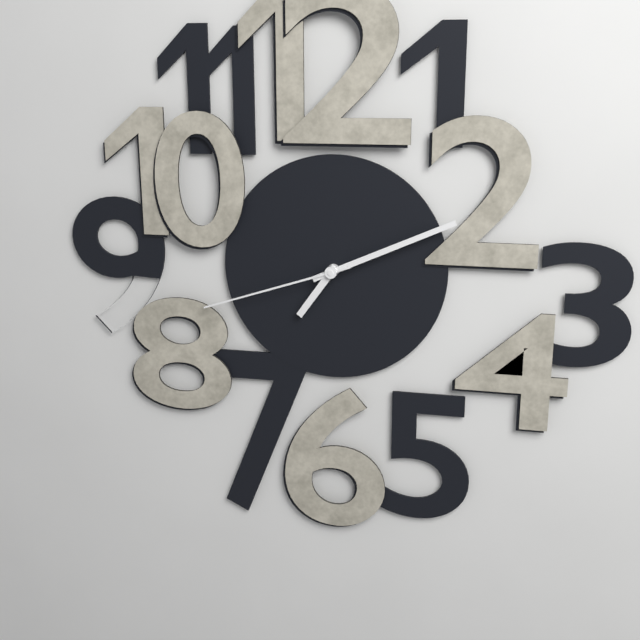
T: 7:11:42
